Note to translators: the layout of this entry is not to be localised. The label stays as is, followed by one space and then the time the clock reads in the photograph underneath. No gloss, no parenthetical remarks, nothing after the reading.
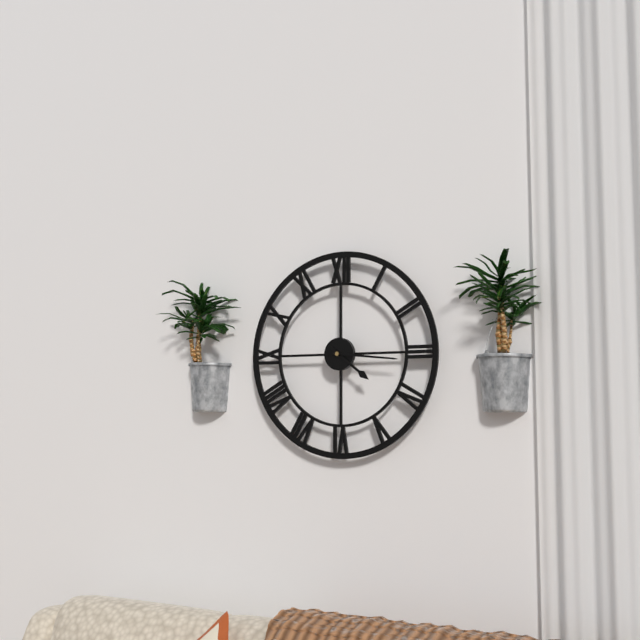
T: 4:16
